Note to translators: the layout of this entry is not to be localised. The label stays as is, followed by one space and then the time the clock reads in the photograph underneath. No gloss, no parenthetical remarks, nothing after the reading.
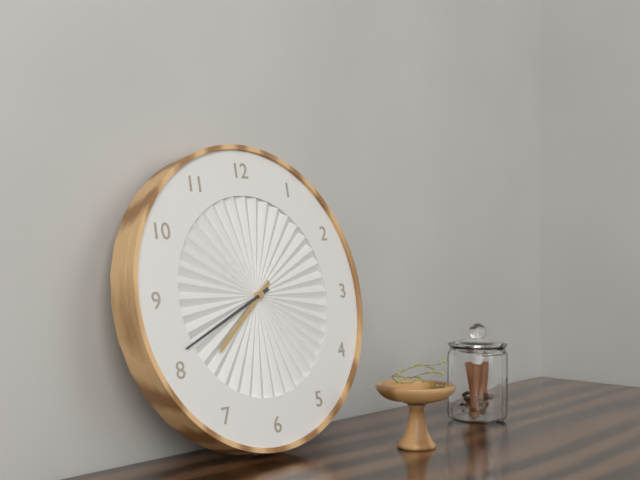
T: 7:41
